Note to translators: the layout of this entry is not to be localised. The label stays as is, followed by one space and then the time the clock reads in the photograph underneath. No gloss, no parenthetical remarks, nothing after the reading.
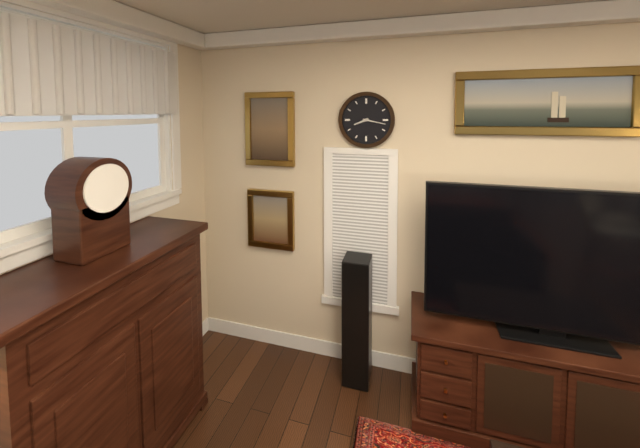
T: 8:17
